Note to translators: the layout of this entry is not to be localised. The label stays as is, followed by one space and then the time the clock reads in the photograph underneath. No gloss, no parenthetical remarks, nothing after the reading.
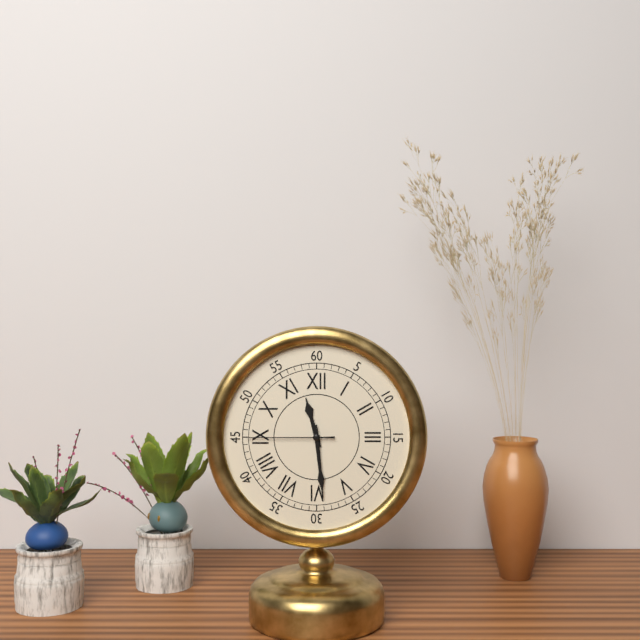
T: 11:29:45
